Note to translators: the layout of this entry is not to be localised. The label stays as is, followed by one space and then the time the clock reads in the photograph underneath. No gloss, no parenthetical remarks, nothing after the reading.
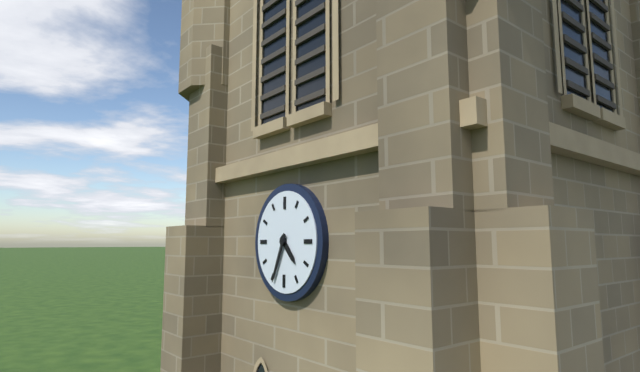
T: 4:34
